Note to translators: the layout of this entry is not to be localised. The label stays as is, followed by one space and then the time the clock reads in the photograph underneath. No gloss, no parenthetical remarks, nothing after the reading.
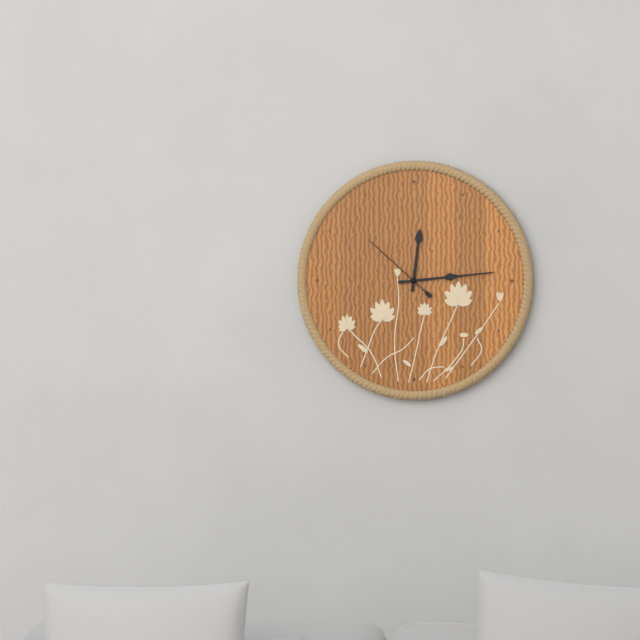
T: 12:14:52
